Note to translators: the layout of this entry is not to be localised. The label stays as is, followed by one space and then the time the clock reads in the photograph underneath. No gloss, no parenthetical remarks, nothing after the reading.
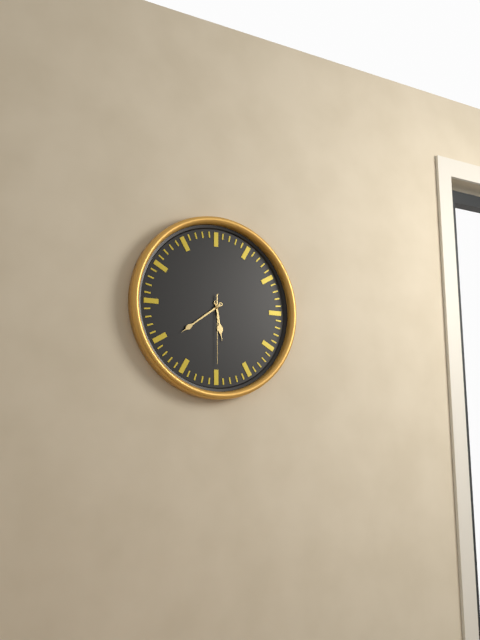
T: 5:39:30
